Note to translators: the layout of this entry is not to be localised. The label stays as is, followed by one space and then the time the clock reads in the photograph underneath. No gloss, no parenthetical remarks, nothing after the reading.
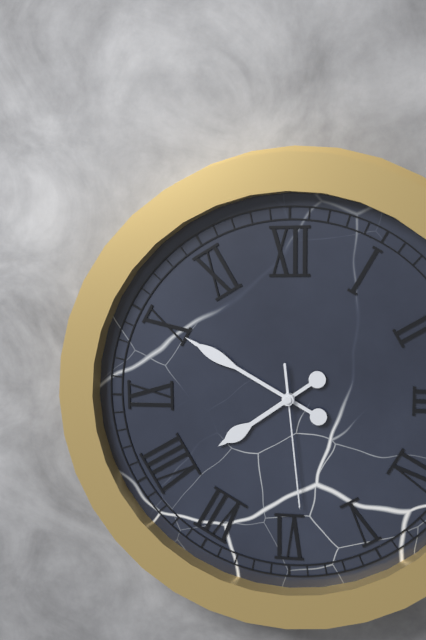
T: 7:50:29
